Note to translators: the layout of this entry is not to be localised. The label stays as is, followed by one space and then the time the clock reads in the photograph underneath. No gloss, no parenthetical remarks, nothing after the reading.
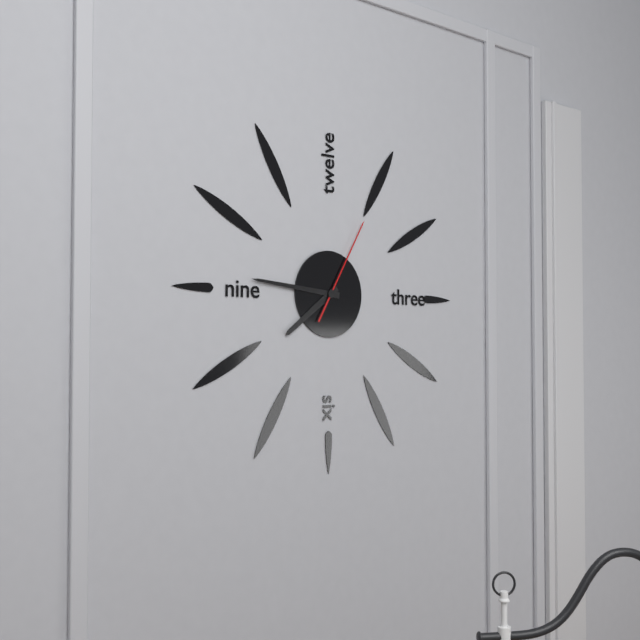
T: 7:46:05
